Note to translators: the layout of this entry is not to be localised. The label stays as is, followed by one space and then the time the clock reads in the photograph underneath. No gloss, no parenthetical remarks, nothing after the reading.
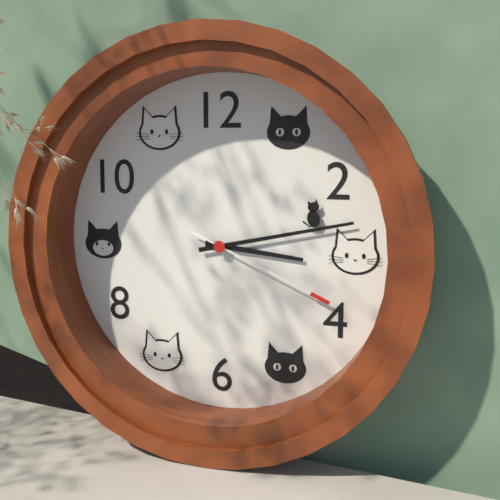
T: 3:13:19
